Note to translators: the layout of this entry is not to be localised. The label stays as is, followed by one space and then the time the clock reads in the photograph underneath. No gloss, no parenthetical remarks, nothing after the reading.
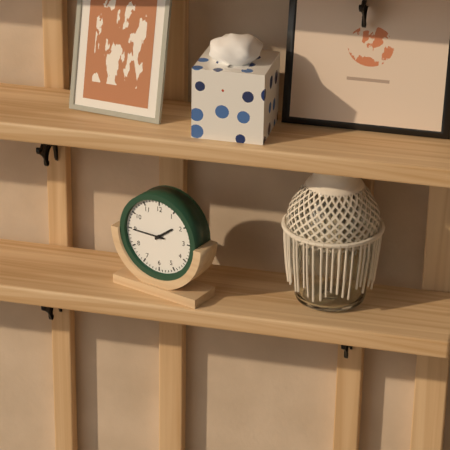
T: 1:45
